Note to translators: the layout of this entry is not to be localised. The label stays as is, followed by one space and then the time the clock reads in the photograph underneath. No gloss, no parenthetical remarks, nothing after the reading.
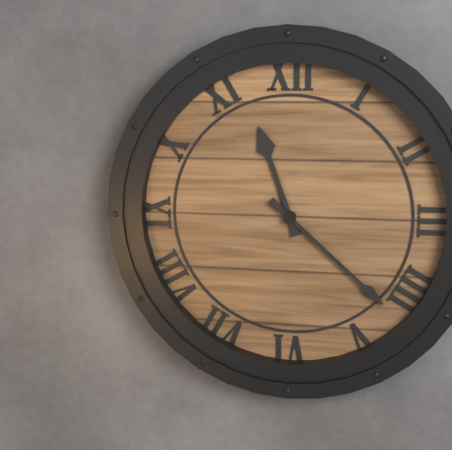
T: 11:22
